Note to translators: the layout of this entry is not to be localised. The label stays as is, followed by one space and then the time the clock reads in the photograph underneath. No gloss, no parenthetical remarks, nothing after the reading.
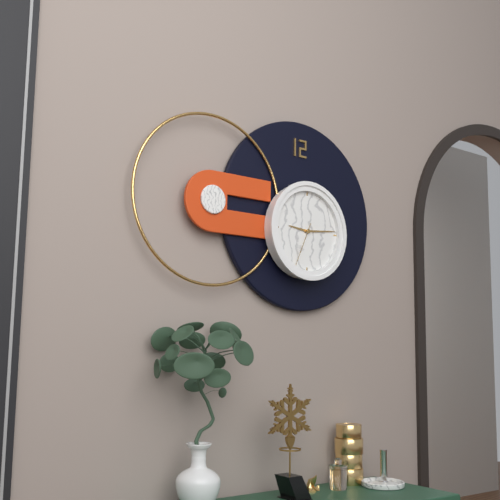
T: 9:14
